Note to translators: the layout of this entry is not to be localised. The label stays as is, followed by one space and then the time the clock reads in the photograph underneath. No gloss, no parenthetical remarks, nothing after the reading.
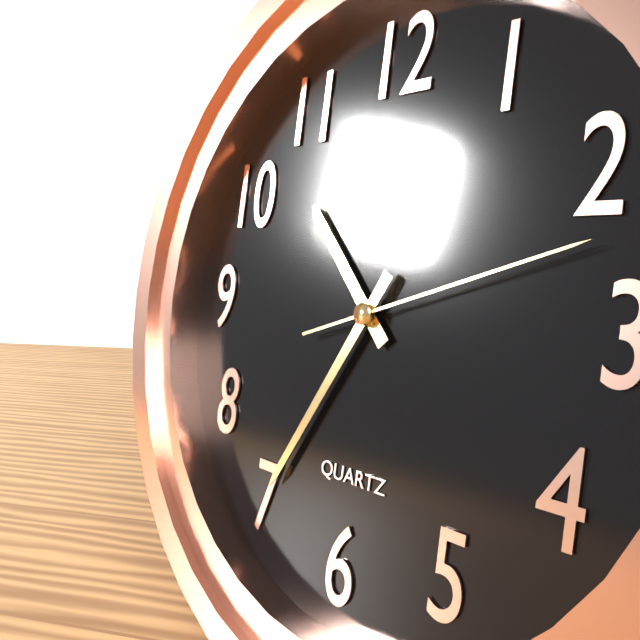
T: 10:35:12
